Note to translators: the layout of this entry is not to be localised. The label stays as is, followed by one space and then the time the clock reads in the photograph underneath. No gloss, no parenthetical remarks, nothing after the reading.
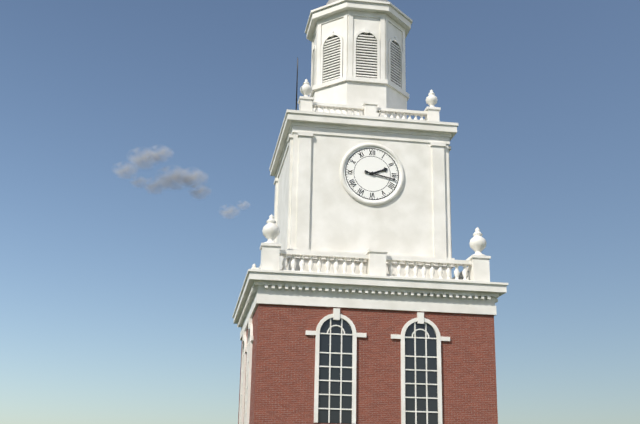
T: 2:17
